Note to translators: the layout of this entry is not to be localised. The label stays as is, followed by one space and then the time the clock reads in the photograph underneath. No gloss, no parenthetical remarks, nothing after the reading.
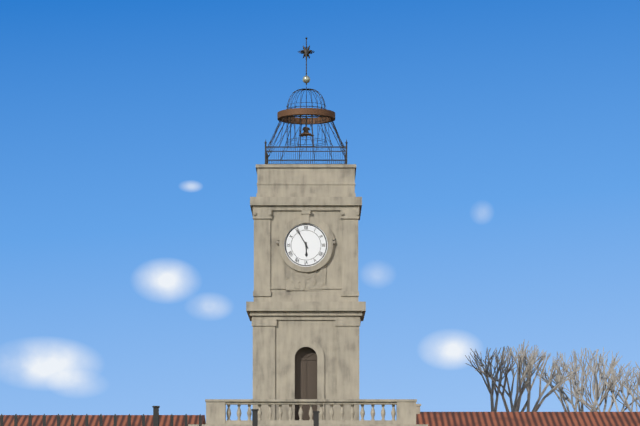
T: 5:55
